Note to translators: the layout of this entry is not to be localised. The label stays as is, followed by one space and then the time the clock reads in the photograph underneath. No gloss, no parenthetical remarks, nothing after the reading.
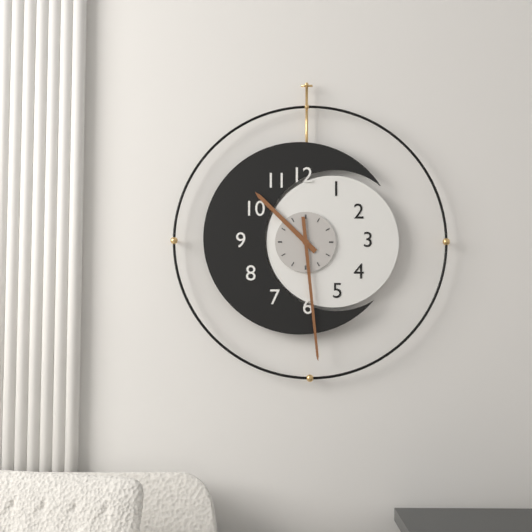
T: 10:29
